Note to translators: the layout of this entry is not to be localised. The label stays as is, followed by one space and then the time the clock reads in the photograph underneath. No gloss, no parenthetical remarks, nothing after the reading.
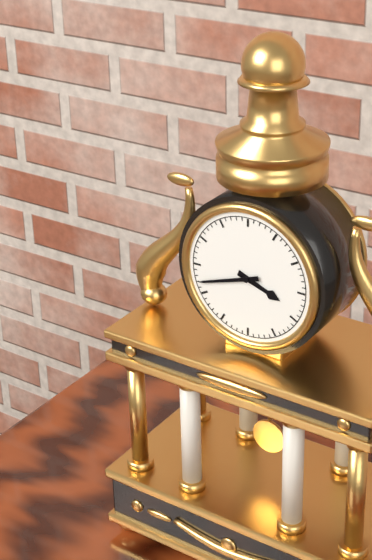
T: 3:42
